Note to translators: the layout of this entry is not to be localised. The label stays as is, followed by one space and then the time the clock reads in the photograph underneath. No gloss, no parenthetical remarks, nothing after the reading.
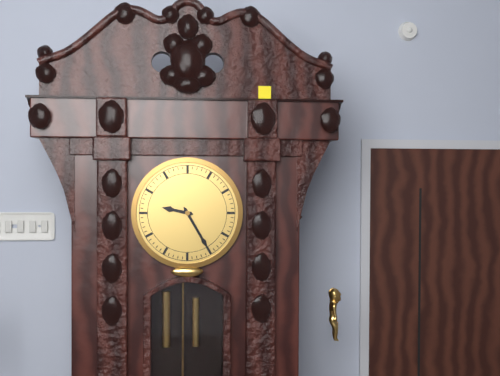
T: 9:25
